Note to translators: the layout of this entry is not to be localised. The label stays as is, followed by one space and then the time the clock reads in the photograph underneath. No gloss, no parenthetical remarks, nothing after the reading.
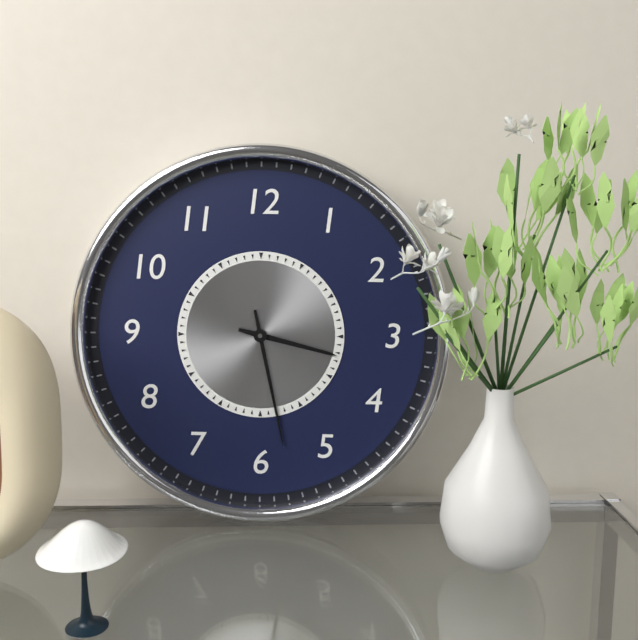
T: 3:28
